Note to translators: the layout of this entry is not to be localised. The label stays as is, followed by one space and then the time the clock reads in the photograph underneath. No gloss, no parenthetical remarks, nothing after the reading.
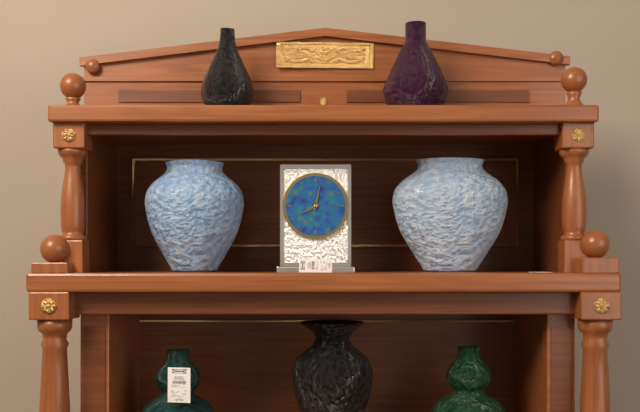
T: 8:02
